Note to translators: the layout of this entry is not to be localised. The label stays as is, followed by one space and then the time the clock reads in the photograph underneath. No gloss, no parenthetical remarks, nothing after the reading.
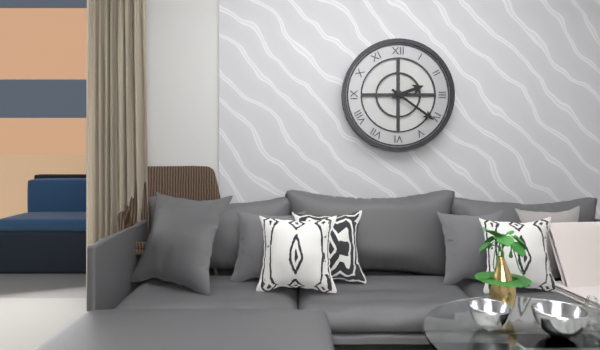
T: 2:21
